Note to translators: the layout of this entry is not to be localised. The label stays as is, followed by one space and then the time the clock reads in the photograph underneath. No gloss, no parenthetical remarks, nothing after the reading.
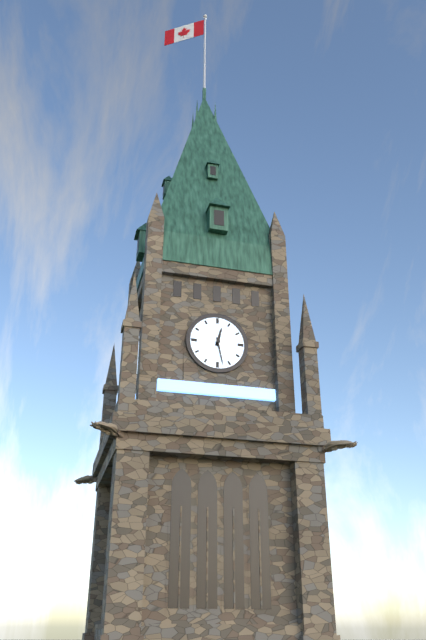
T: 12:28
